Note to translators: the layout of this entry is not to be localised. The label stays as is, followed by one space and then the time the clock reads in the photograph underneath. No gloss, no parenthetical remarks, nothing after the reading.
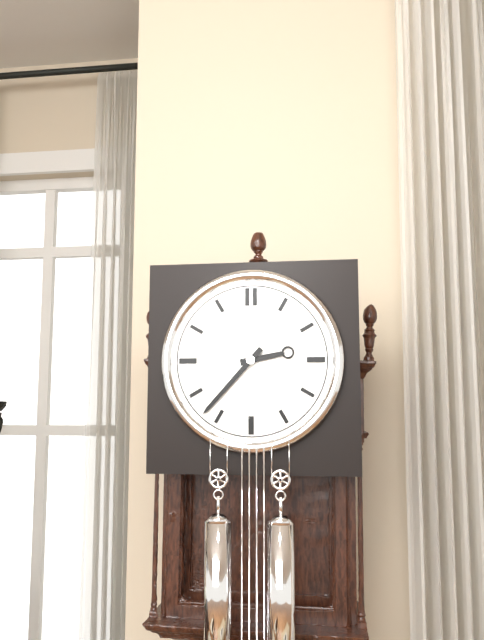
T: 2:37
